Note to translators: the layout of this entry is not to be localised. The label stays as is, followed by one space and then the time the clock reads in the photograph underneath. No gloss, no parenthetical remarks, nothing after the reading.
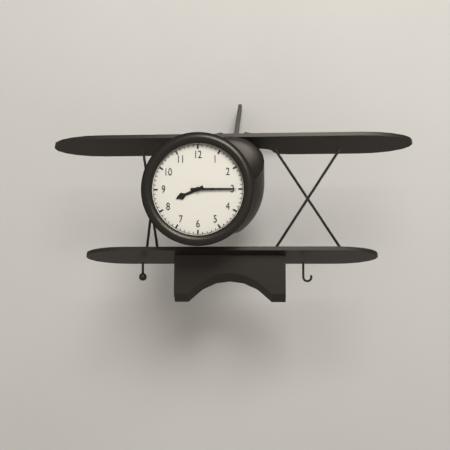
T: 8:15
